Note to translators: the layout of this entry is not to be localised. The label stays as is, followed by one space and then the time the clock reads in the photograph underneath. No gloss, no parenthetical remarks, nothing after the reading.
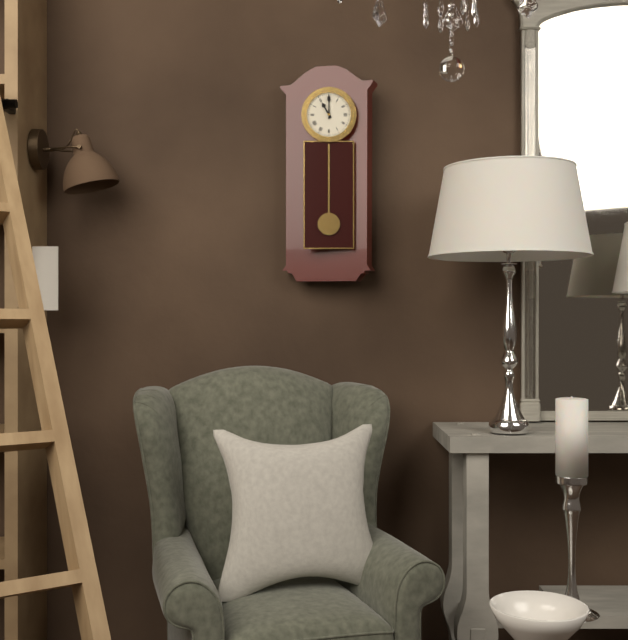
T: 11:00
